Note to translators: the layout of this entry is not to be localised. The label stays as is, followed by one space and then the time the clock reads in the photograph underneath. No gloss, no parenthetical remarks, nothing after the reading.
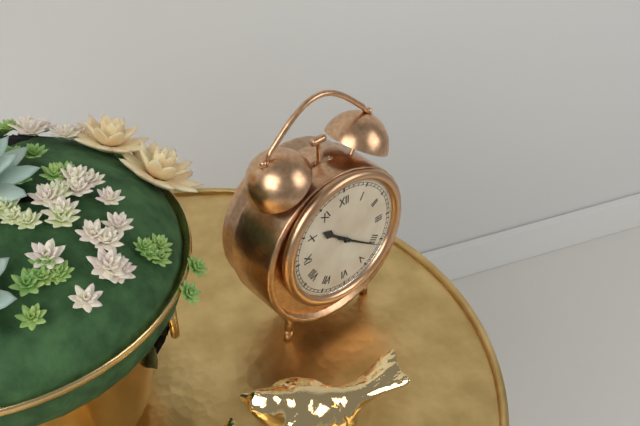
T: 10:21
